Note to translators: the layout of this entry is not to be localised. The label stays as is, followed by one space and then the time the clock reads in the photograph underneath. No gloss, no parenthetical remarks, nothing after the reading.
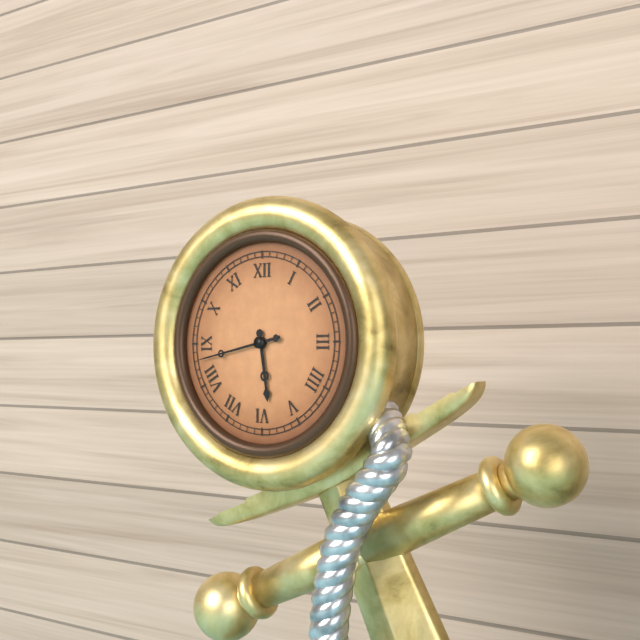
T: 5:43
